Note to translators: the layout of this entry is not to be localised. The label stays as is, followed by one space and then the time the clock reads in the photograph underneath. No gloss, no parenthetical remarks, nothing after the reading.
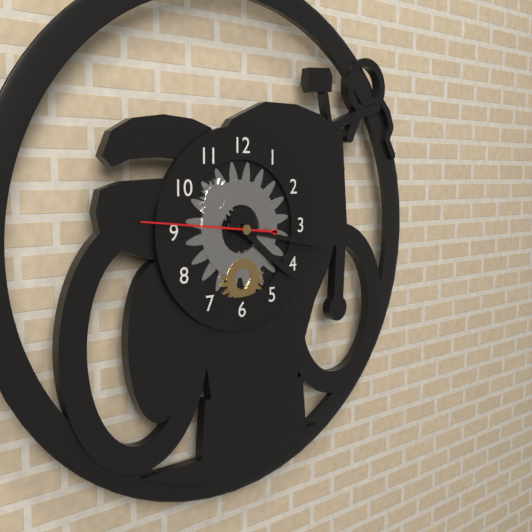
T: 4:17:46
